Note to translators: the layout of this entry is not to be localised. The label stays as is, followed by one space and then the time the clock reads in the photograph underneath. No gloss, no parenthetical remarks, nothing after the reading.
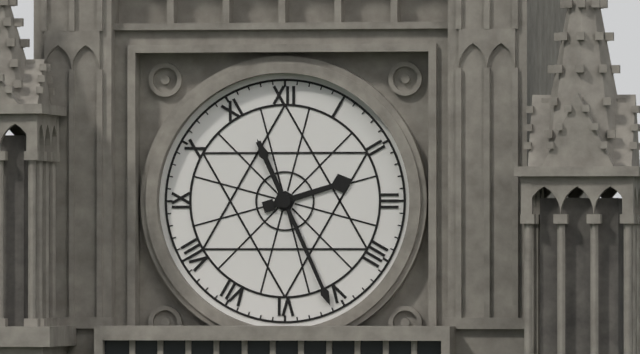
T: 2:26
